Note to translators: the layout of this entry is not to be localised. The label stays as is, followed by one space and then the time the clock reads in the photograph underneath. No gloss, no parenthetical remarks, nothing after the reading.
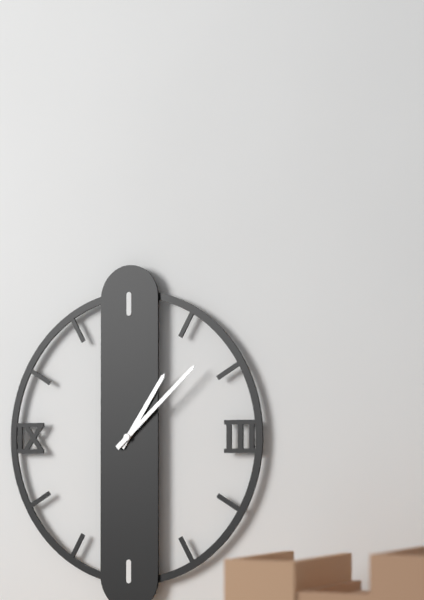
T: 1:08
